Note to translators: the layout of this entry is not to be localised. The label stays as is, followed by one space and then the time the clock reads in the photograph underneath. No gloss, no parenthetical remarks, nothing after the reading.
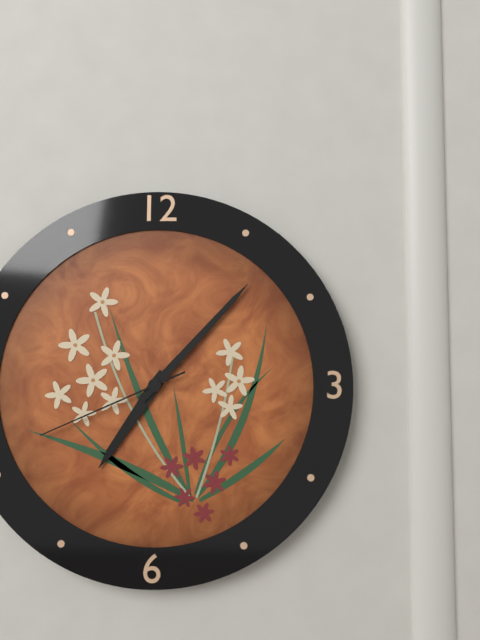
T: 7:07:41
